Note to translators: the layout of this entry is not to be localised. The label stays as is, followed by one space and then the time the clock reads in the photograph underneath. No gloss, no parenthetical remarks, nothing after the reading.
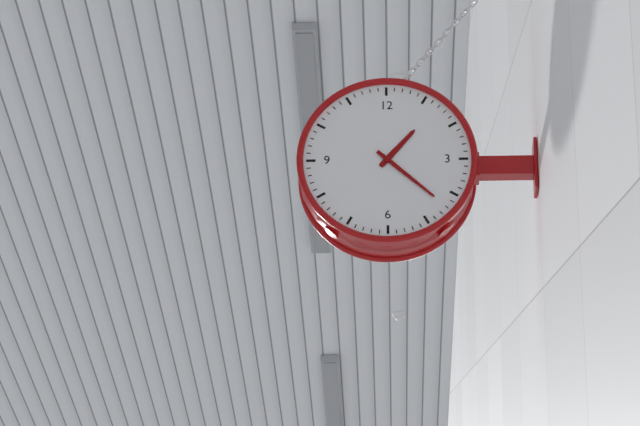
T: 1:22
